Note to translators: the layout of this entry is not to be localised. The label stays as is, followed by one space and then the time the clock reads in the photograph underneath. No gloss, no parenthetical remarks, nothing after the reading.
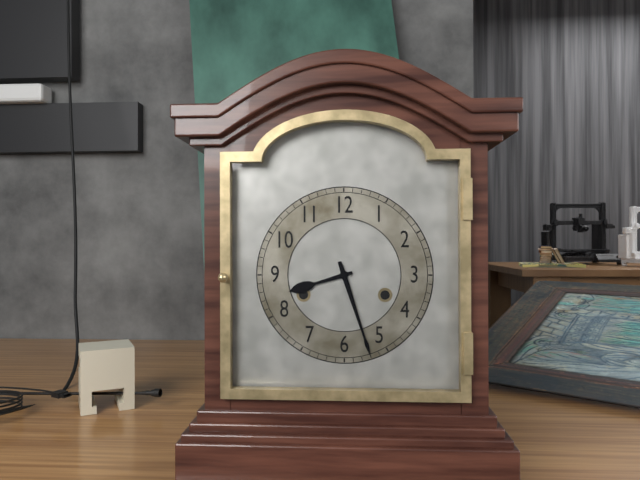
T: 8:27
